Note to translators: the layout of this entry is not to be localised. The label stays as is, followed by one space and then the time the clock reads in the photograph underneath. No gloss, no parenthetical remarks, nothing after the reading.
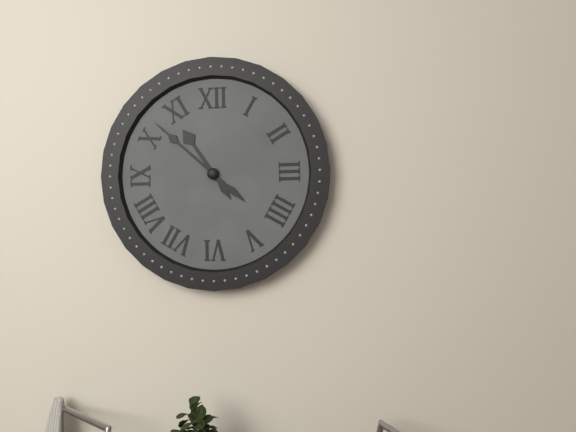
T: 10:52
